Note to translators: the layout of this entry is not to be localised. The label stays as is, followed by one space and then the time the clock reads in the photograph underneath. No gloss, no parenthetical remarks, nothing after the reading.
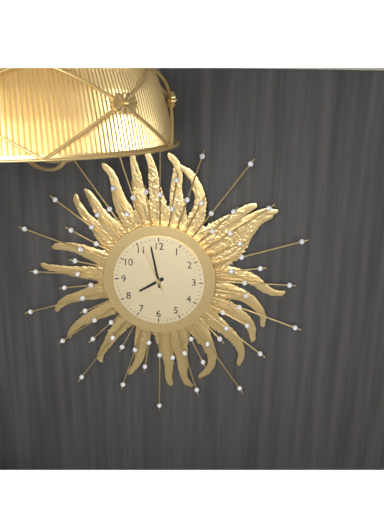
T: 7:58:56
